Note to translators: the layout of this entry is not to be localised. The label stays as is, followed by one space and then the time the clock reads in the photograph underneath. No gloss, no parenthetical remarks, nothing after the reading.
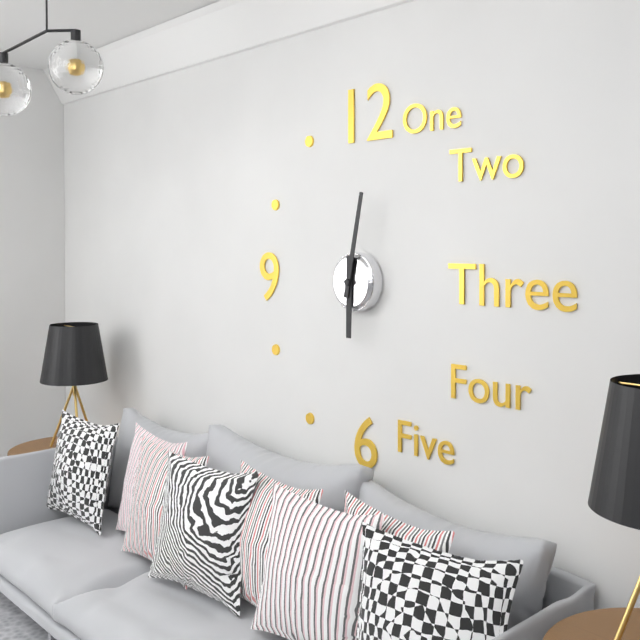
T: 6:02
